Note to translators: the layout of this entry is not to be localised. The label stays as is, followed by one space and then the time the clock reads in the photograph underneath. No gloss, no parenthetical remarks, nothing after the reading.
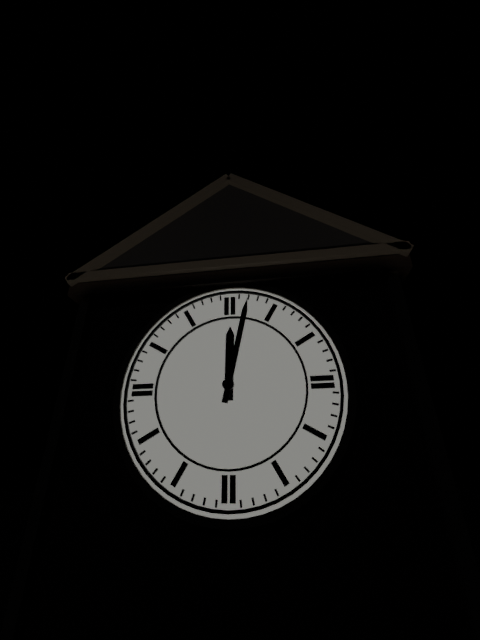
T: 12:02
